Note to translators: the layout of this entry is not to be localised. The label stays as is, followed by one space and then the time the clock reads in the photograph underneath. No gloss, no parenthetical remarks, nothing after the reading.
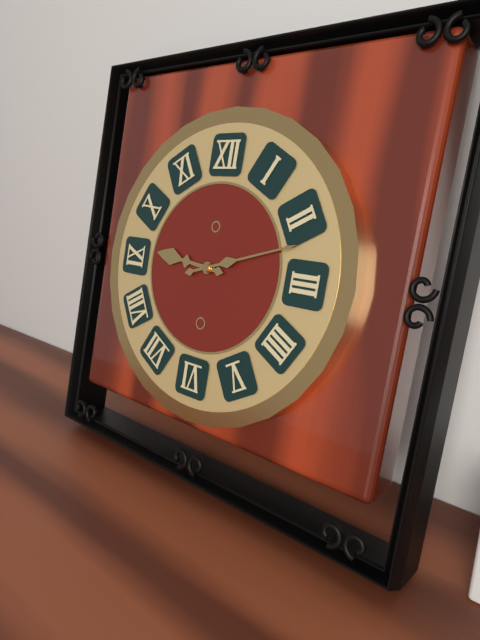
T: 9:12
